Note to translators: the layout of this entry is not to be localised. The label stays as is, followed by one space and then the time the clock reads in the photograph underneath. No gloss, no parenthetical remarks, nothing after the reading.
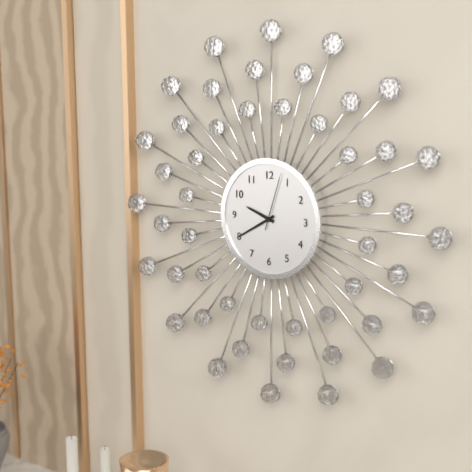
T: 9:40:03
